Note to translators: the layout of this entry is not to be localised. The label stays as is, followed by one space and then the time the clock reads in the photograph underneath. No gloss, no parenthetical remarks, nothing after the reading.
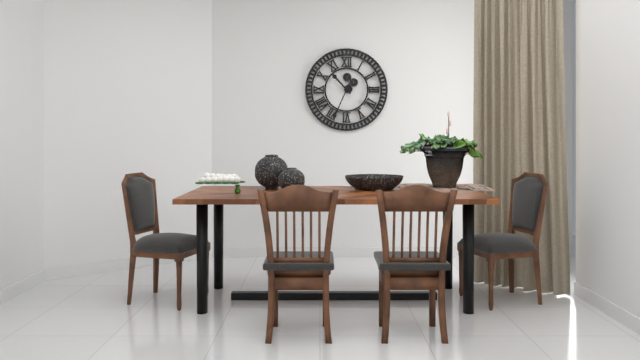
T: 10:34
